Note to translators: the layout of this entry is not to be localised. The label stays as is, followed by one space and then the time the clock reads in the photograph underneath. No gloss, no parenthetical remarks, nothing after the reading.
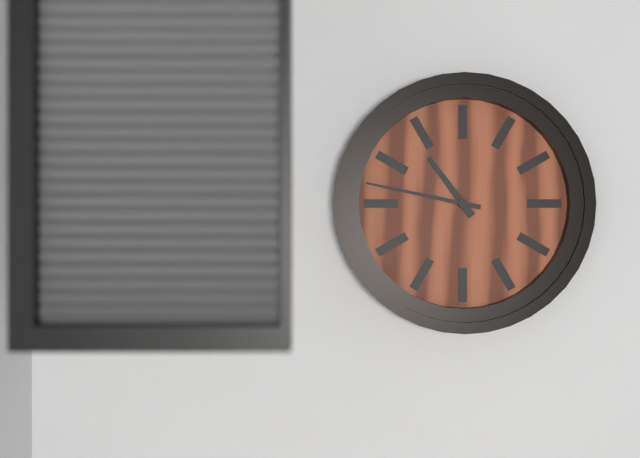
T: 10:47
